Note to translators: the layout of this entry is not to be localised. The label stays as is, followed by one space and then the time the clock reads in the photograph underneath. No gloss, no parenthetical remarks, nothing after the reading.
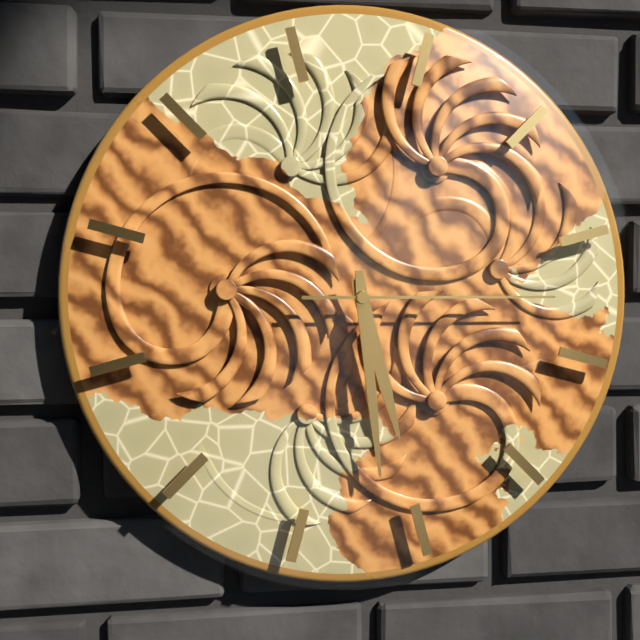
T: 5:29:15
